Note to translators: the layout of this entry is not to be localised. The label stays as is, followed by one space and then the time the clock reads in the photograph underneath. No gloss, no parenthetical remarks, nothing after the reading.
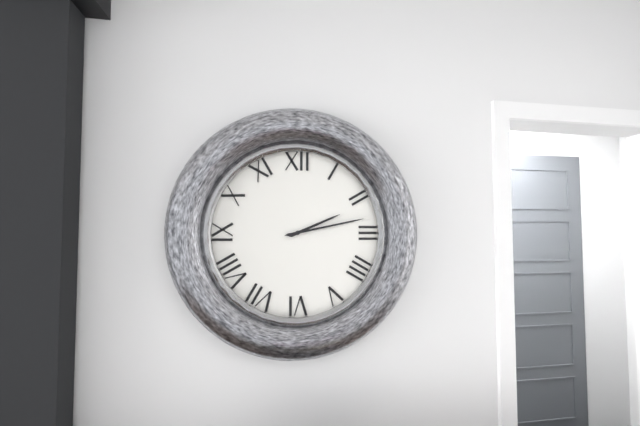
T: 2:13
